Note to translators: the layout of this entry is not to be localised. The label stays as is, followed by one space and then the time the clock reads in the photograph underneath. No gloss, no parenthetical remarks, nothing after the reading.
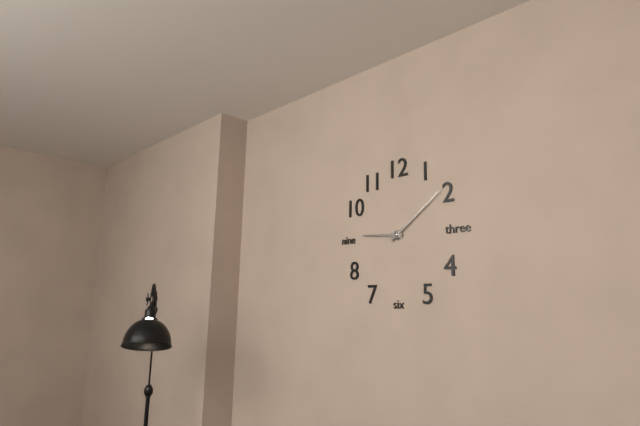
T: 9:09
